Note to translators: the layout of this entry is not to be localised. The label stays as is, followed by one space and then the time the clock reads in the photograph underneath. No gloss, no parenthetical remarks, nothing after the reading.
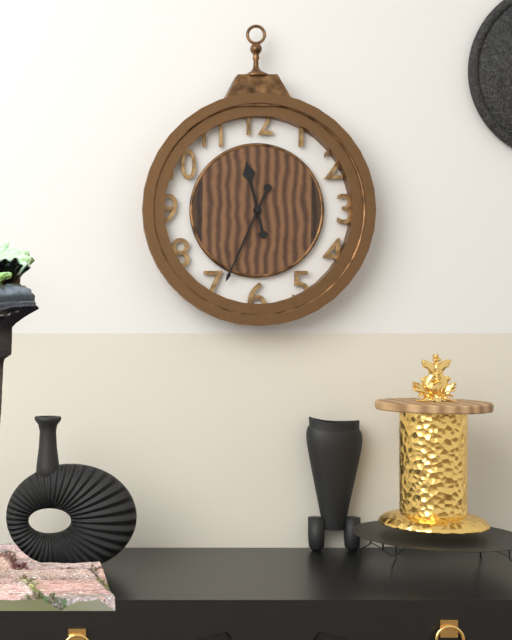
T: 11:34
